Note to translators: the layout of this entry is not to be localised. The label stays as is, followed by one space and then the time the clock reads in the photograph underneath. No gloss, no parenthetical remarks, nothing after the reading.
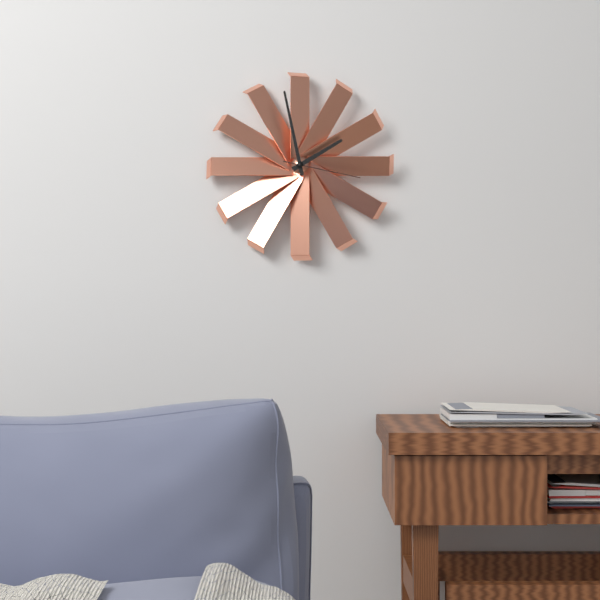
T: 1:58:17
